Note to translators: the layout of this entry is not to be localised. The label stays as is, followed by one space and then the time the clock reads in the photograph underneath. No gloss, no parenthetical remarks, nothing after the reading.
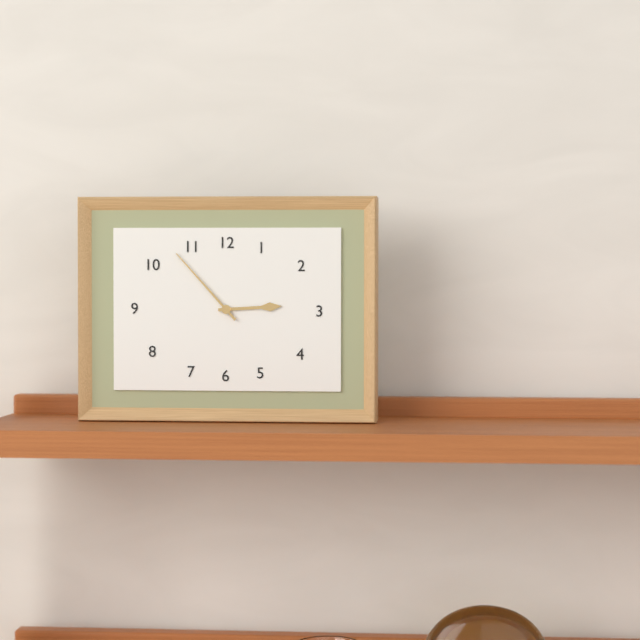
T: 2:53
